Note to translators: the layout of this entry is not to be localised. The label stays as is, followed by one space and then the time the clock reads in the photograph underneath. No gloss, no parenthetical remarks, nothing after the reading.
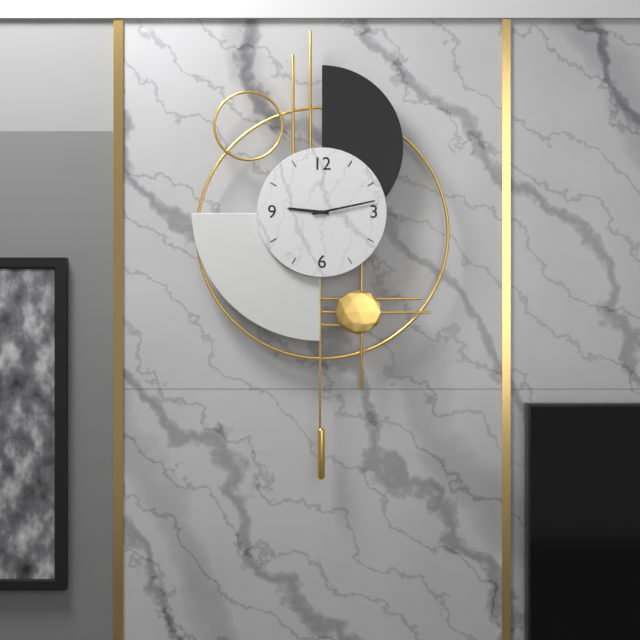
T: 9:13
